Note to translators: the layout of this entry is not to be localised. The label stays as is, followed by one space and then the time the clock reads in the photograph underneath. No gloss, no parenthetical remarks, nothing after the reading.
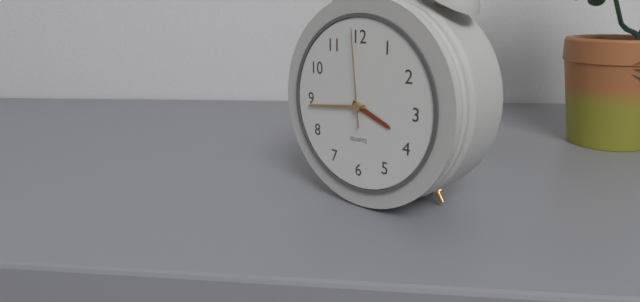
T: 3:44:59
